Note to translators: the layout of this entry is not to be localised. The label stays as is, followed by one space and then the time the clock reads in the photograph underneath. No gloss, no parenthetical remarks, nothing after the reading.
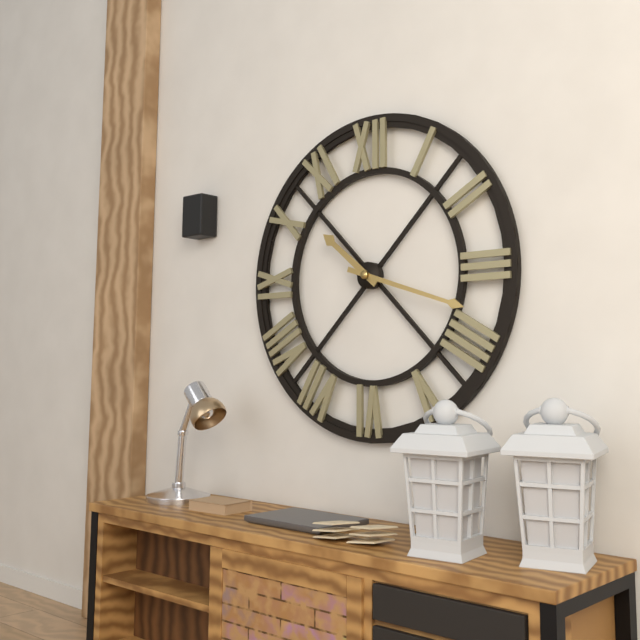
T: 10:18
